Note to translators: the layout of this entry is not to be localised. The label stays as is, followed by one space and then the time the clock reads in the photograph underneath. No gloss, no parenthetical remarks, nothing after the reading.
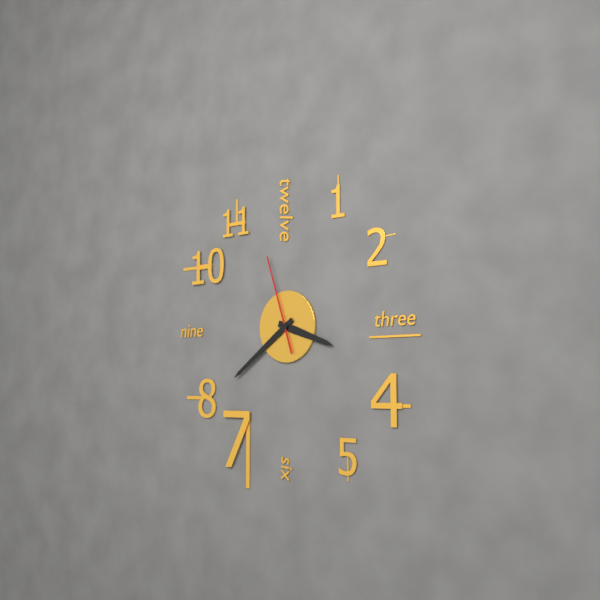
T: 3:39:57
